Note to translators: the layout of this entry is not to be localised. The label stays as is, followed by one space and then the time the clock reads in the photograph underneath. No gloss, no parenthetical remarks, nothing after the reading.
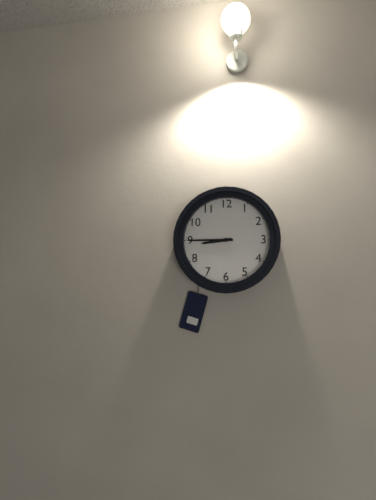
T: 8:45
